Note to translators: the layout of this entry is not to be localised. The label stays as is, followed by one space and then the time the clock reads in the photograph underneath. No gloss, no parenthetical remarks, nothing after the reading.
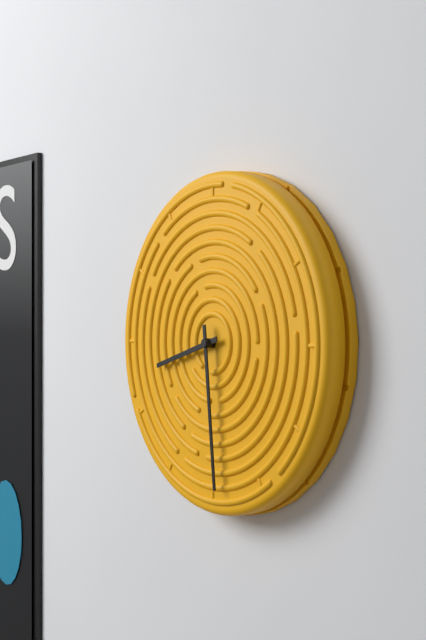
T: 8:29
